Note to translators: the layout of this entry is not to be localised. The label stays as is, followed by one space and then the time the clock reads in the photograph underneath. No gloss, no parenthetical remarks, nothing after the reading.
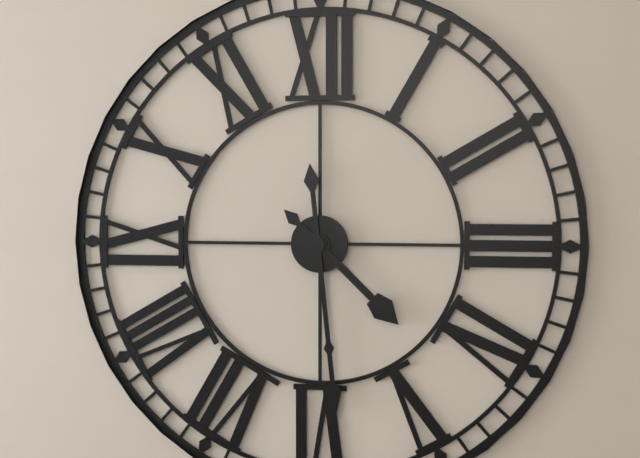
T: 4:29
